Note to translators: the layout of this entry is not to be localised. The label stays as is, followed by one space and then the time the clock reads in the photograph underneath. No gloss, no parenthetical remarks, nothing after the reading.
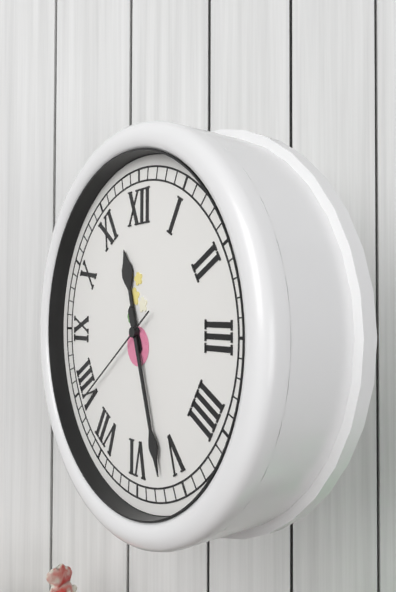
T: 11:27:39
